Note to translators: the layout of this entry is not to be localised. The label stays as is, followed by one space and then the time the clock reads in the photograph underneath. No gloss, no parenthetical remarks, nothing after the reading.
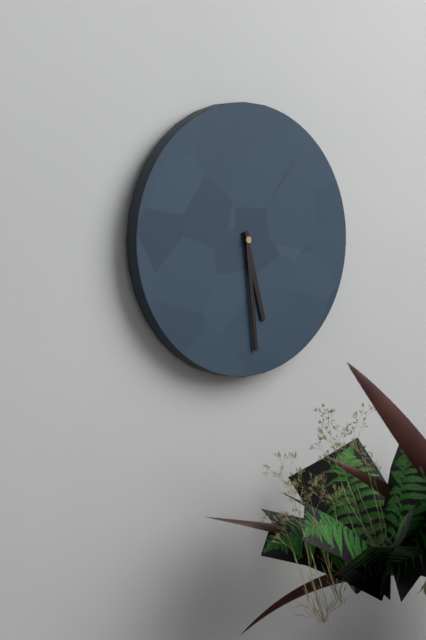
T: 5:29
